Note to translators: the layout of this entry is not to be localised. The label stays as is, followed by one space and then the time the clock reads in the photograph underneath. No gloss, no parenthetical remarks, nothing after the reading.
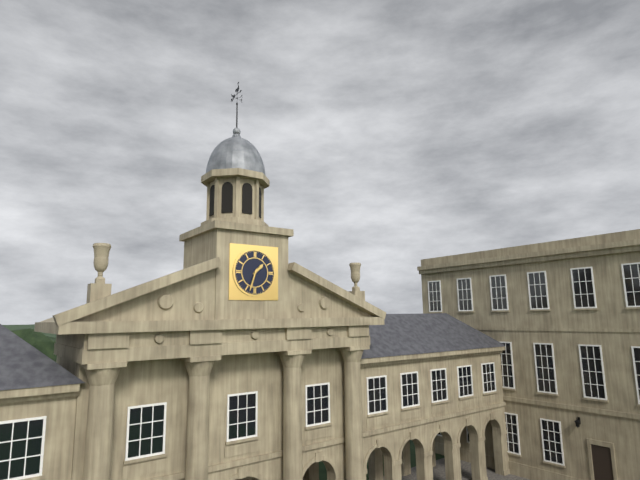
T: 1:33
